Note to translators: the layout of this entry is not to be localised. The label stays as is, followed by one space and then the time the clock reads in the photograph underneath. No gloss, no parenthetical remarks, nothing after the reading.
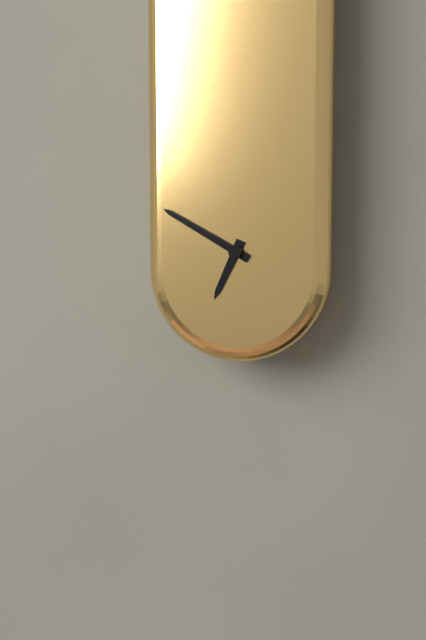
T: 6:50
